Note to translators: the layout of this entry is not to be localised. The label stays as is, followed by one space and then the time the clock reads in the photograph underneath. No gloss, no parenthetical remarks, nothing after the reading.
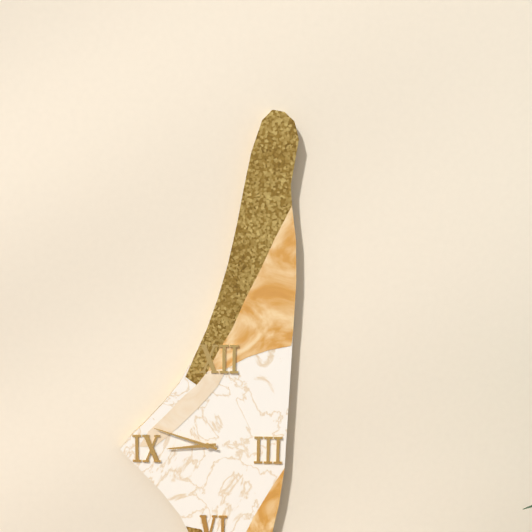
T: 8:48
